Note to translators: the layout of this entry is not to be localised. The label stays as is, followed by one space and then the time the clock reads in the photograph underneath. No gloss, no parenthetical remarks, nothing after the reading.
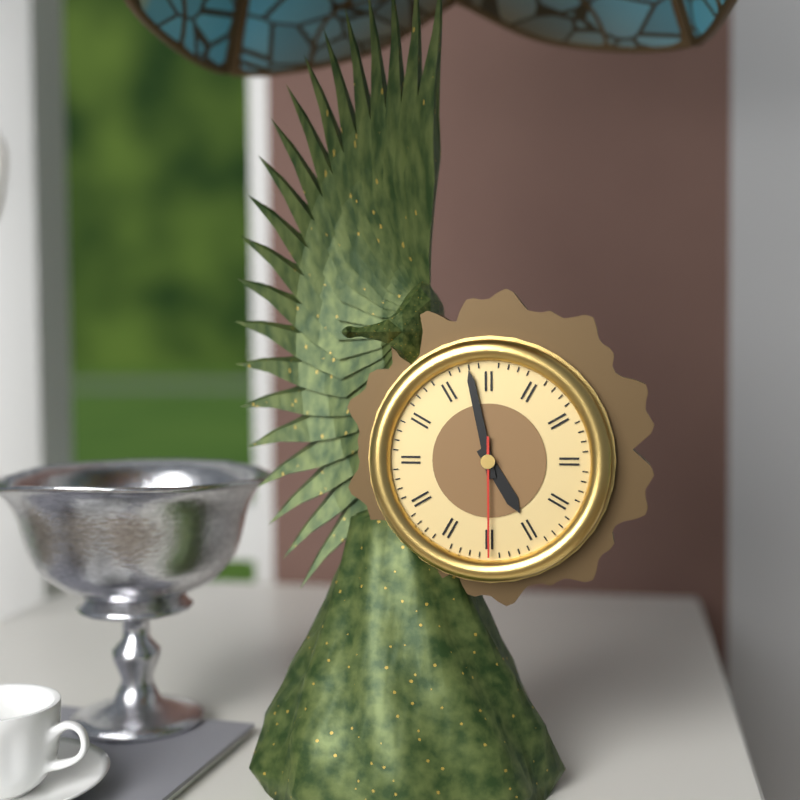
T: 4:58:30
